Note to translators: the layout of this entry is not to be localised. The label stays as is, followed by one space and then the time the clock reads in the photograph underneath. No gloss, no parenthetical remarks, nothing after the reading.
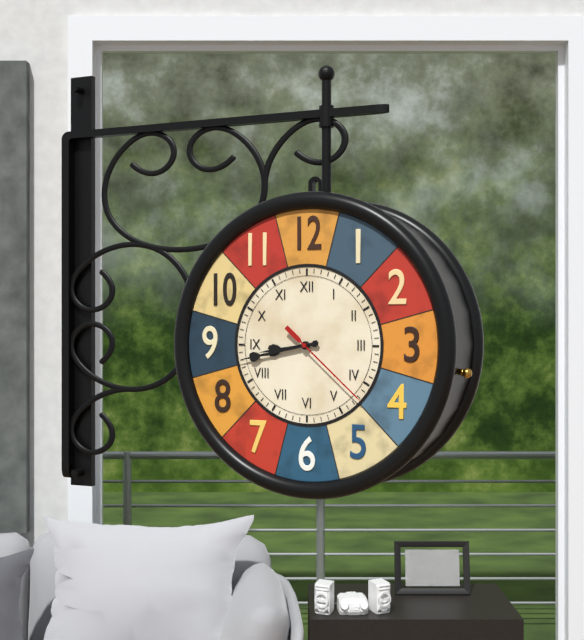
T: 8:43:22
